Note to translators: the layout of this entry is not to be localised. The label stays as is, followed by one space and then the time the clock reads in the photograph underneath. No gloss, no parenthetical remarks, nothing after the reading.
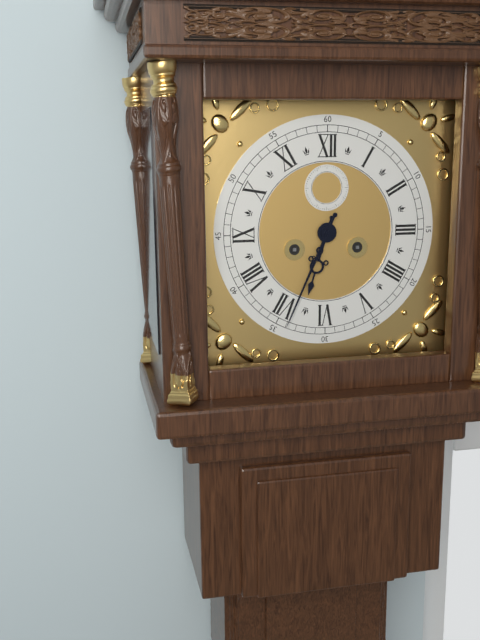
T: 6:34
